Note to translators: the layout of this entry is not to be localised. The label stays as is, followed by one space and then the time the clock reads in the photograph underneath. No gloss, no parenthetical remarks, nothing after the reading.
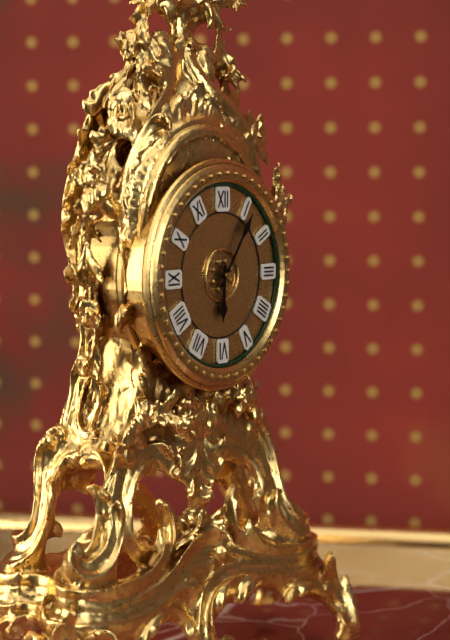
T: 6:06
